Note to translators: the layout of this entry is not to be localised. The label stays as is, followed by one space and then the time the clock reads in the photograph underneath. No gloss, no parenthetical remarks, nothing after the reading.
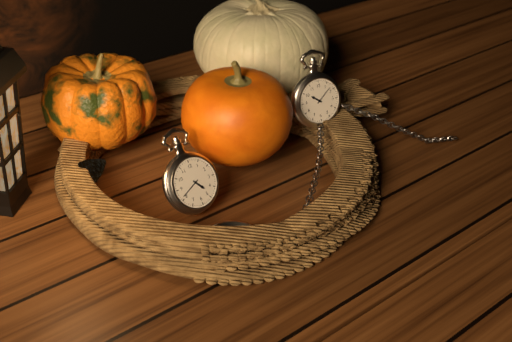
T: 4:41
